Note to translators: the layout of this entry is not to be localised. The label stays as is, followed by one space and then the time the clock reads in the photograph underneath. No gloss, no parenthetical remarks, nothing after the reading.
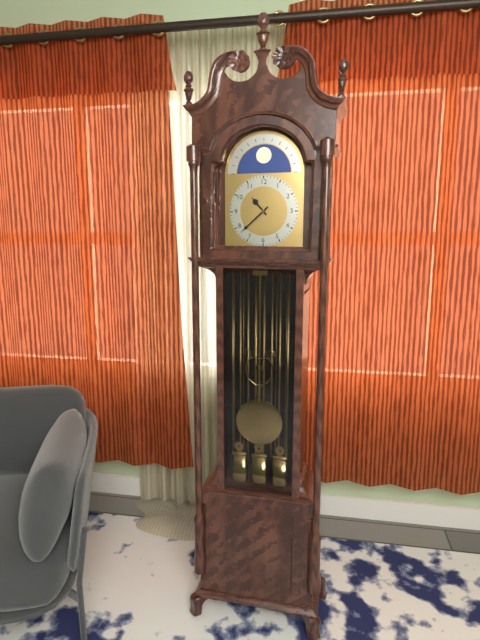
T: 10:38
